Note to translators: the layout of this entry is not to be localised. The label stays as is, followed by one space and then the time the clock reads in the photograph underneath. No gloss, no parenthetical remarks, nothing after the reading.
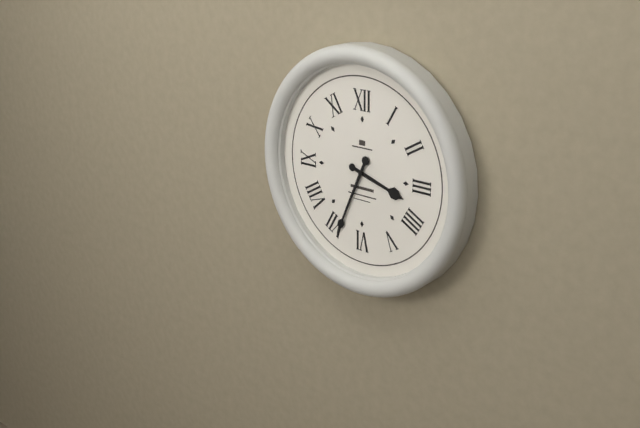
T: 3:34
